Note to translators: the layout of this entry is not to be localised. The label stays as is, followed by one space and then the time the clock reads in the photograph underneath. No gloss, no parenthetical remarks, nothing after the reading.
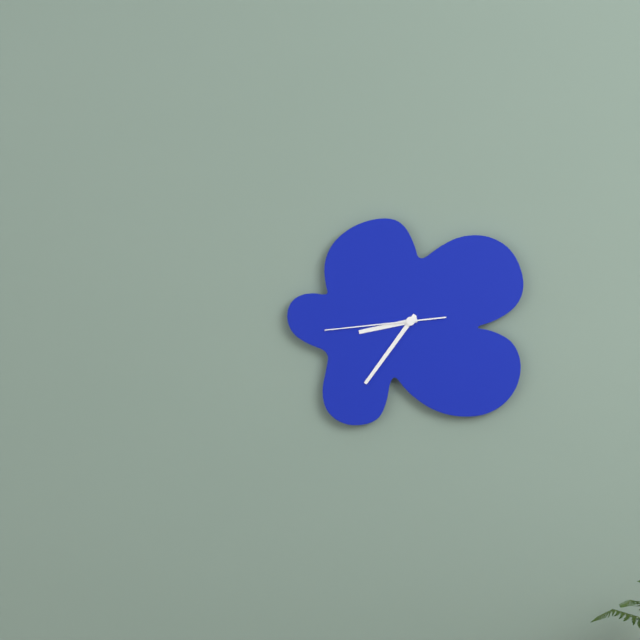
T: 8:36:44
